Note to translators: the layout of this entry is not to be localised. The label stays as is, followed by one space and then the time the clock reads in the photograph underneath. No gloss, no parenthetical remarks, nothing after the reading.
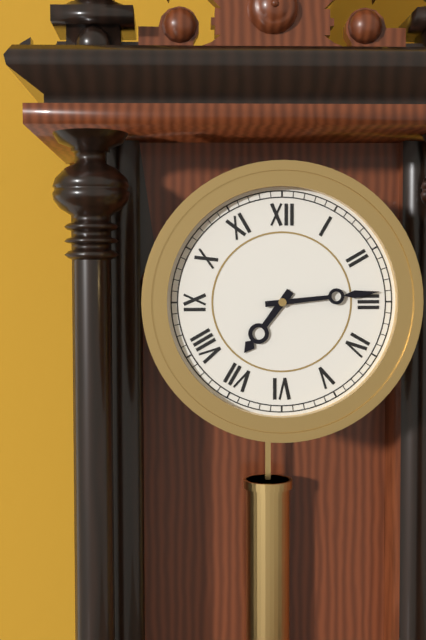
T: 7:14
